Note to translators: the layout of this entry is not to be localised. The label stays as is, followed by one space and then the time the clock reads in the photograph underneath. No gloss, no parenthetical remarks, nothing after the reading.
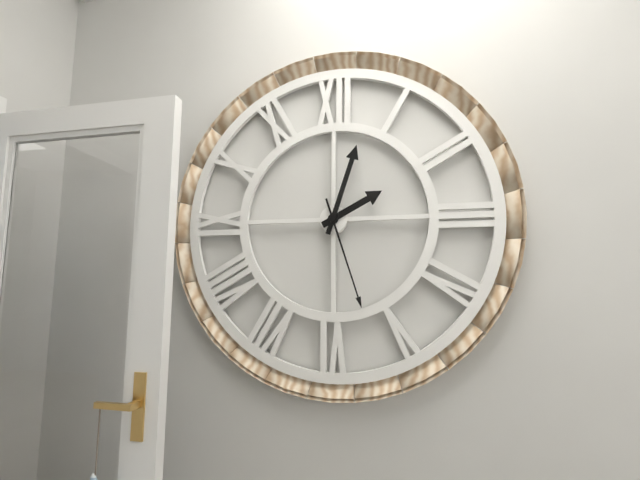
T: 2:03:27
